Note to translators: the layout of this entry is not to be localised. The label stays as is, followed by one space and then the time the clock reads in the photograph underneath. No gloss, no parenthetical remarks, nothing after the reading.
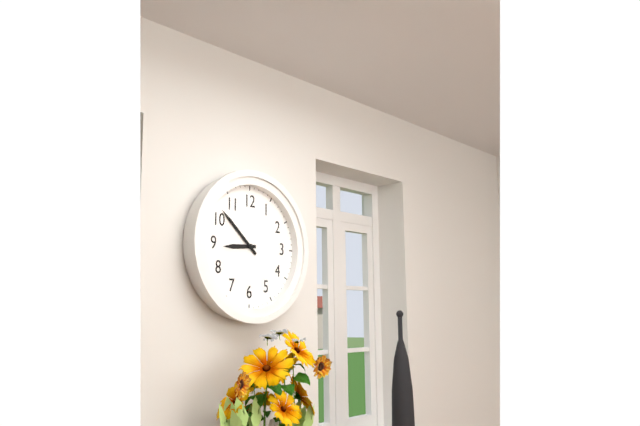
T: 8:52
